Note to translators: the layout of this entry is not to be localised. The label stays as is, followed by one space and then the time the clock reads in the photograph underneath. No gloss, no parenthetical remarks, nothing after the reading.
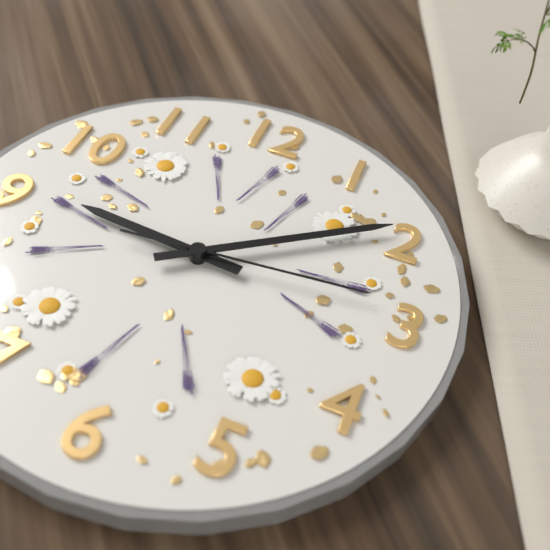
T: 9:09:14
